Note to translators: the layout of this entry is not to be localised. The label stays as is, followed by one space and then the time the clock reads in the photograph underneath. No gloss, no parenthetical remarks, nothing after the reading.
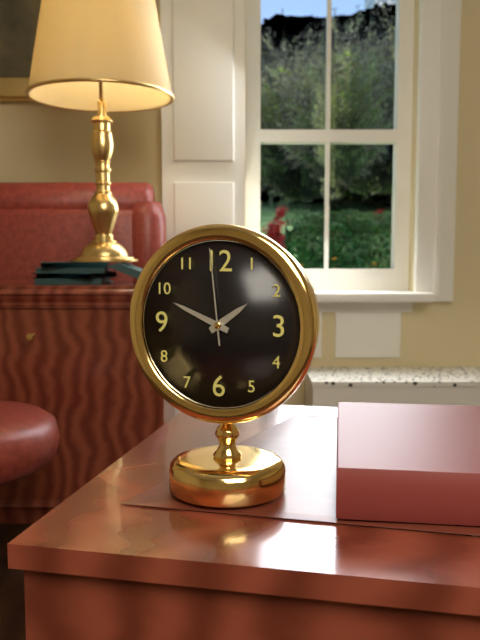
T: 1:49:59
